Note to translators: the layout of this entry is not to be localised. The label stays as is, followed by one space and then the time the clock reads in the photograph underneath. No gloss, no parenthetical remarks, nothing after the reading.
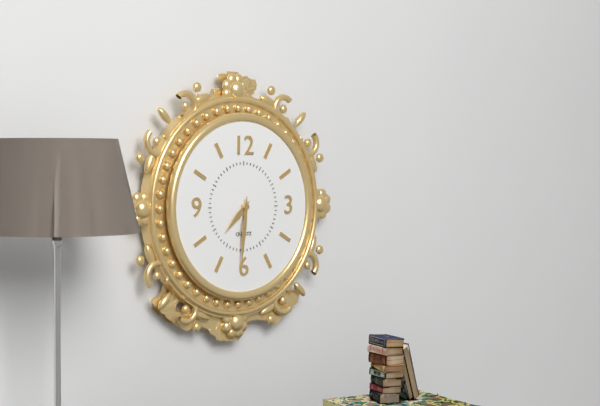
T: 7:31
